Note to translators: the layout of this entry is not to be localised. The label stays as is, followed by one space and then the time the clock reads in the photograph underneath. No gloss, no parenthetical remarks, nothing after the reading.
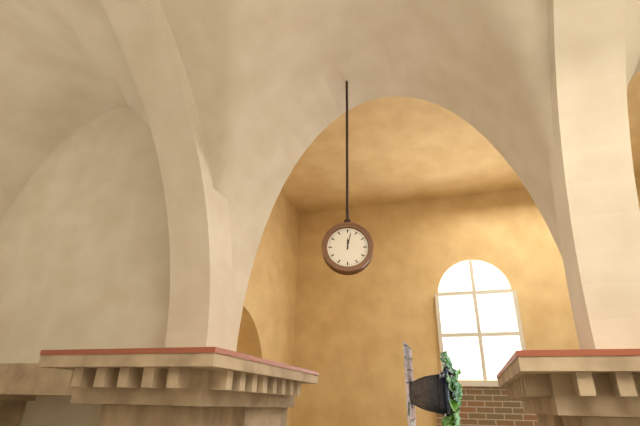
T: 12:02
